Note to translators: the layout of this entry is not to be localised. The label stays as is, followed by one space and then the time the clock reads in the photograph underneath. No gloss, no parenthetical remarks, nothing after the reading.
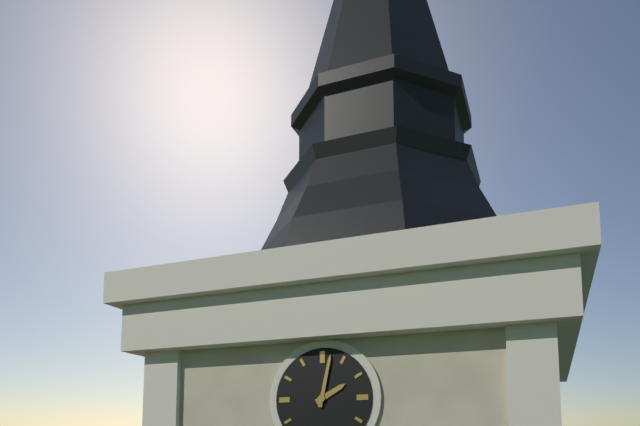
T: 2:02
